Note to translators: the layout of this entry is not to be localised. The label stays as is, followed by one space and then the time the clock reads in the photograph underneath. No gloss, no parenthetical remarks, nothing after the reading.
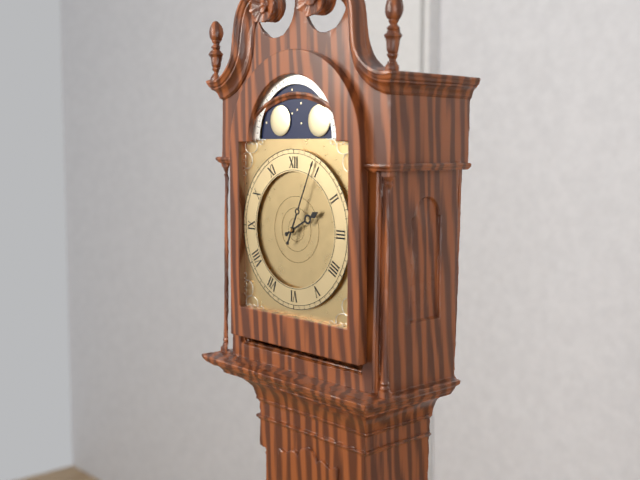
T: 2:04
